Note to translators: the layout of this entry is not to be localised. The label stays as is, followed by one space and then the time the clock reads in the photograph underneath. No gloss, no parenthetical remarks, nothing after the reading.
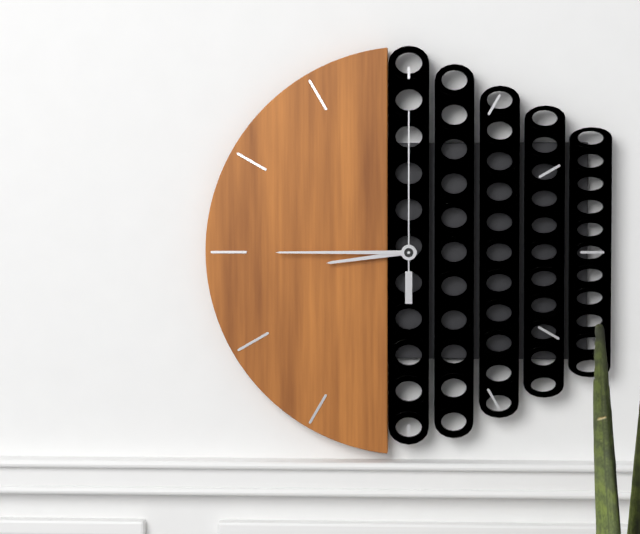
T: 8:45:00
